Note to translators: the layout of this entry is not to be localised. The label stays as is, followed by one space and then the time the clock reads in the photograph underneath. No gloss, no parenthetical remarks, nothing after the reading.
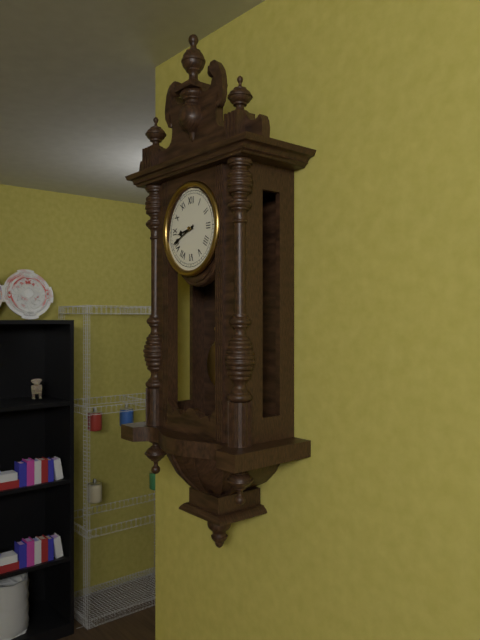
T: 8:41
